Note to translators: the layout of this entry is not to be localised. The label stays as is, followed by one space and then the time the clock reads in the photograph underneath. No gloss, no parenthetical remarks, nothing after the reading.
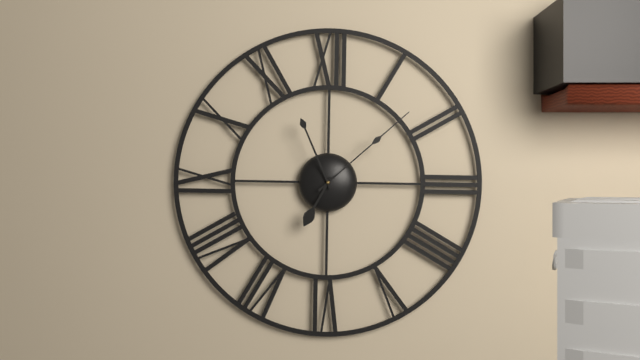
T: 6:56:08
